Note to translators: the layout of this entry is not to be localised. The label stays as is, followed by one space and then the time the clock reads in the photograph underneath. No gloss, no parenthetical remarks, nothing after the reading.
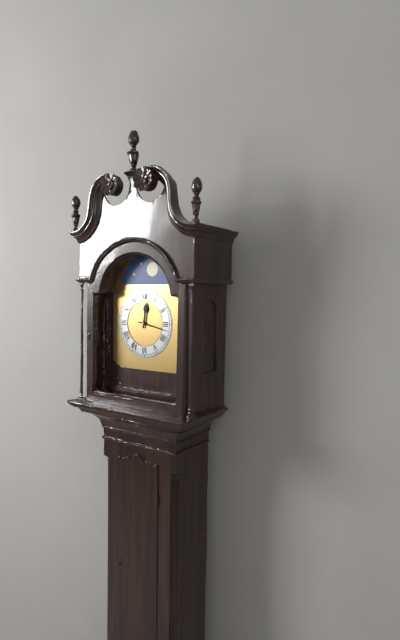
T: 12:17
